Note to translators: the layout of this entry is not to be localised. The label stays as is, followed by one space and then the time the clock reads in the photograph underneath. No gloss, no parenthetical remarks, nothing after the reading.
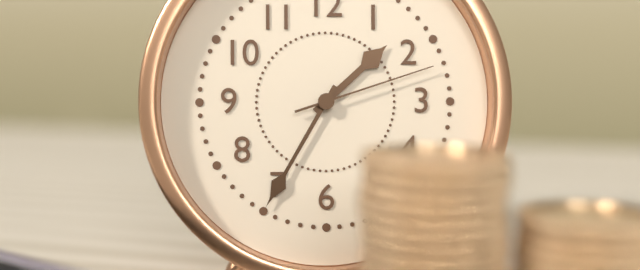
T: 1:35:12
